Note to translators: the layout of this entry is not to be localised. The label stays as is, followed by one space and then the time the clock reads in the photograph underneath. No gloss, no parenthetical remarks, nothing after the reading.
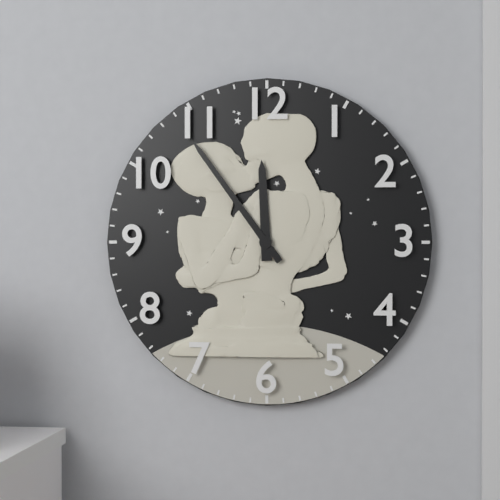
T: 11:54
